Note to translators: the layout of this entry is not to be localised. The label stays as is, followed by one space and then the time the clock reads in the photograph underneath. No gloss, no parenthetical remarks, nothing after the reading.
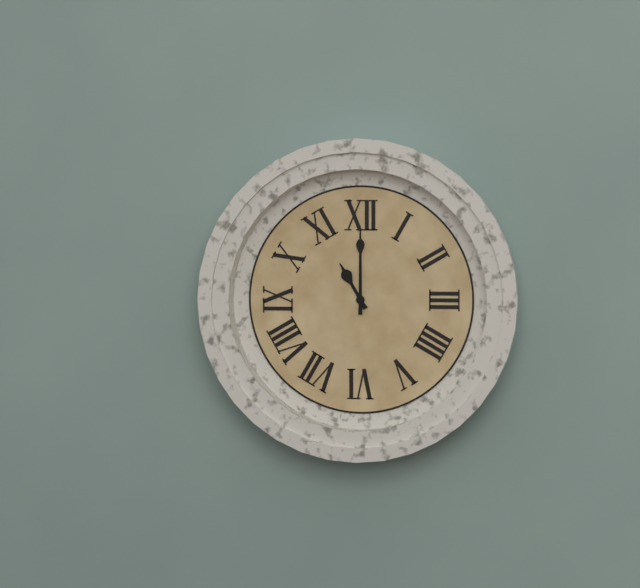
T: 11:00
